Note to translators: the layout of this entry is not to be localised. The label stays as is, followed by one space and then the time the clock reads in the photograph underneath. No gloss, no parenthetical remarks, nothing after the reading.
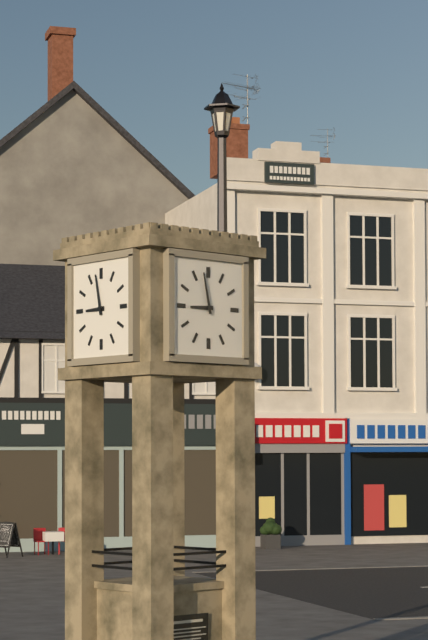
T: 8:58
